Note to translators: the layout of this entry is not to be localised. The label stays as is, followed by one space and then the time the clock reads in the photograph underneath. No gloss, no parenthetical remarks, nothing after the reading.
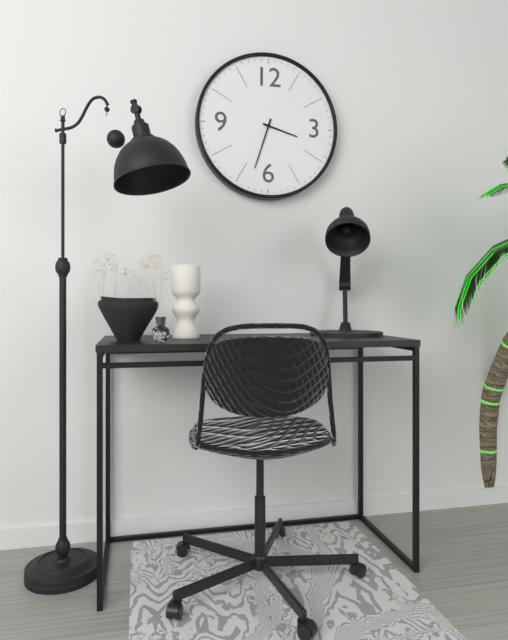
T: 3:33
